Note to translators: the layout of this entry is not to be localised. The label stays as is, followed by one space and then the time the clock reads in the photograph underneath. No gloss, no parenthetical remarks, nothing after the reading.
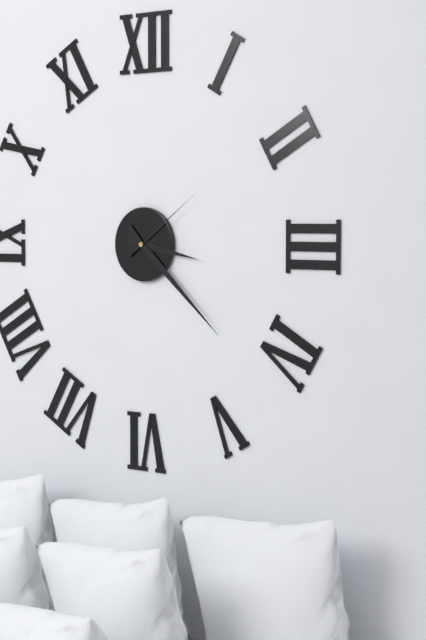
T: 3:22:09
